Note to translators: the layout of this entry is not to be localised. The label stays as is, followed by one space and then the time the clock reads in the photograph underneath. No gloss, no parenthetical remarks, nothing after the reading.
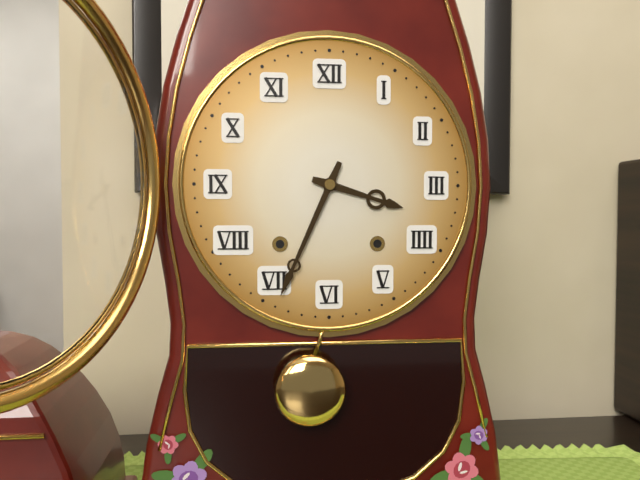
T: 3:34
